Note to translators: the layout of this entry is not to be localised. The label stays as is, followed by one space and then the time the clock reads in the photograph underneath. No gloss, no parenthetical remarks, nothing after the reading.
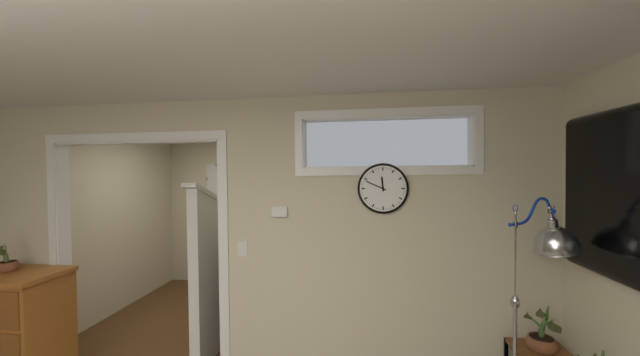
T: 11:49
